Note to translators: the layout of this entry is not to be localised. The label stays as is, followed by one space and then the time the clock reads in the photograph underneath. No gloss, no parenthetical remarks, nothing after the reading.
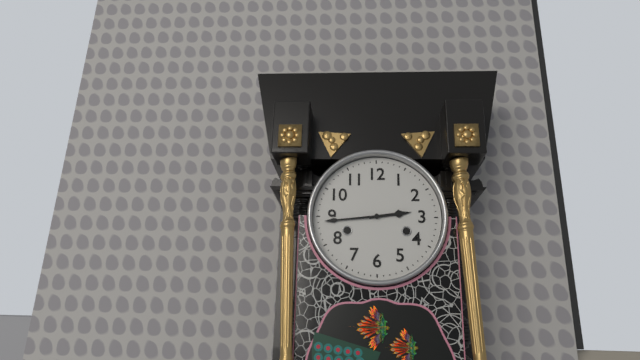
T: 2:44
